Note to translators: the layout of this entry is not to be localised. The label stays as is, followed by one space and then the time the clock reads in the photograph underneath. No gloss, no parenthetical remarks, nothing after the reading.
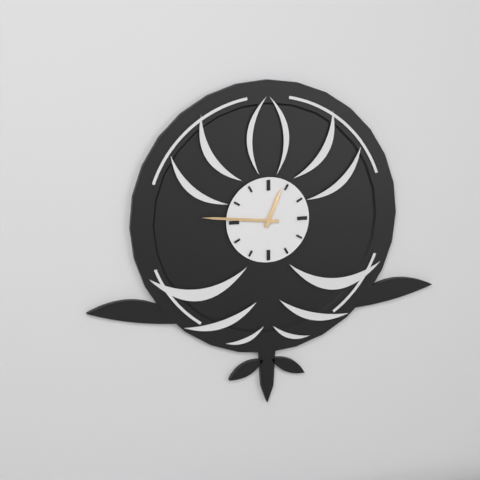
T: 12:46
